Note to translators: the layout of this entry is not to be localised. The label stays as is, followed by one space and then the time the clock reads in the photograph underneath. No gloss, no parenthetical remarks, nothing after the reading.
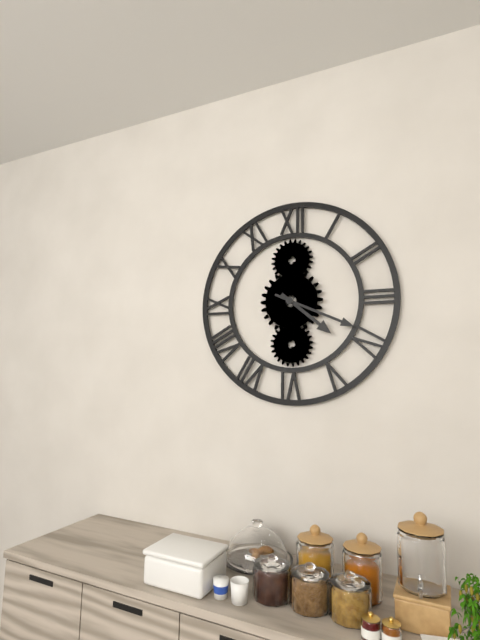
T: 4:19
